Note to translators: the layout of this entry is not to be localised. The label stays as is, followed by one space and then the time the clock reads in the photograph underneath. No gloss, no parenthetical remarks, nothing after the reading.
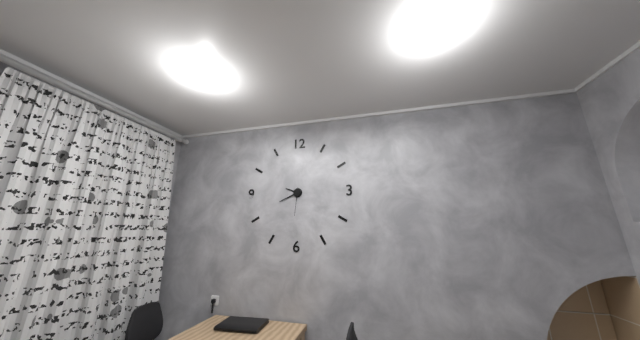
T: 9:41
